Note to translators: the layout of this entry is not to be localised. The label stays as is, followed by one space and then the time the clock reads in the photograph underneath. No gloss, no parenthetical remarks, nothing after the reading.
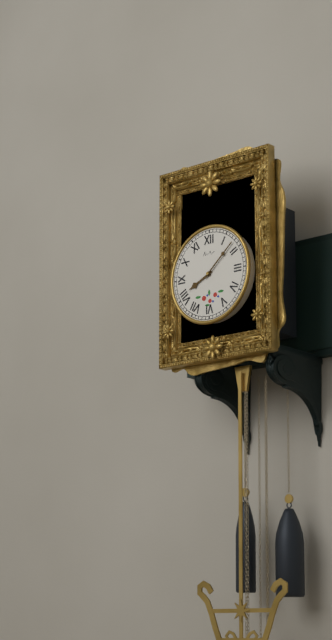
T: 8:08
